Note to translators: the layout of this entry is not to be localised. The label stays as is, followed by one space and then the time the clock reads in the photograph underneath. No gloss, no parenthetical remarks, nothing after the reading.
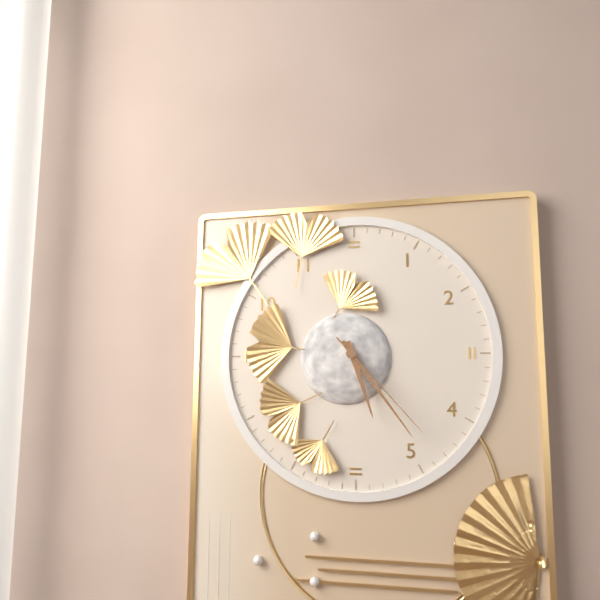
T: 5:24:23
